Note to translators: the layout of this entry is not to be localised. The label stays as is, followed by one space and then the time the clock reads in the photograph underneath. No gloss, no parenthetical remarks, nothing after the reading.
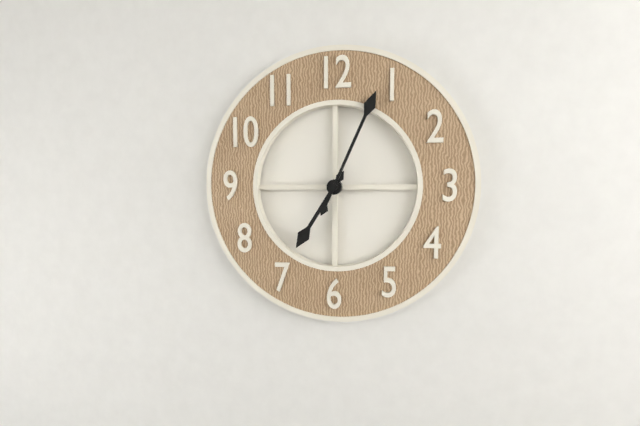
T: 7:04
